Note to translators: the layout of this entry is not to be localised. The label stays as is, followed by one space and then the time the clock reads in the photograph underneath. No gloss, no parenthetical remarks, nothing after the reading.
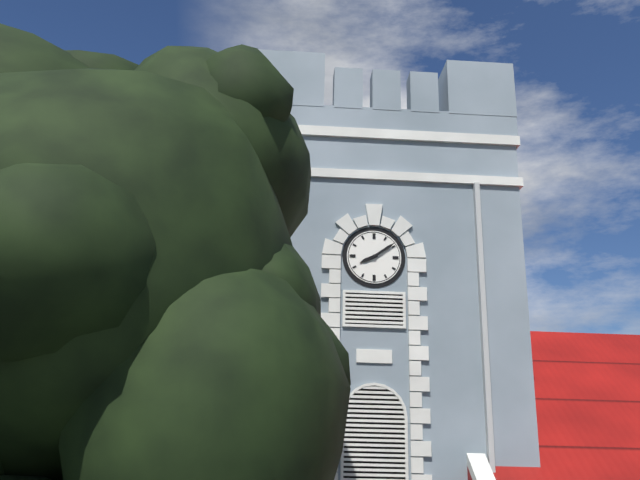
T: 8:09
